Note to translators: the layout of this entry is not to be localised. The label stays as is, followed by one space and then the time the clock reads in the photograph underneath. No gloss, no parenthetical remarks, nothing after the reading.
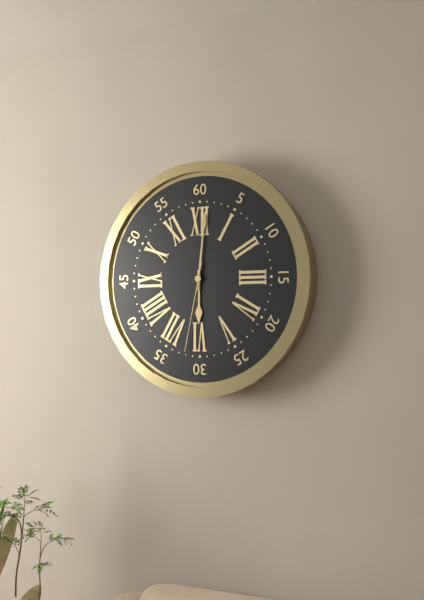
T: 6:01:32
